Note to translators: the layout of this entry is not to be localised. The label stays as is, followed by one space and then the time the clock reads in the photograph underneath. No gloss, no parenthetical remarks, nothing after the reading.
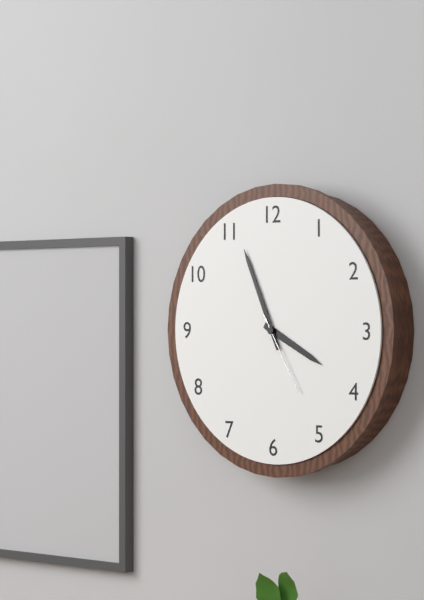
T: 3:56:25
